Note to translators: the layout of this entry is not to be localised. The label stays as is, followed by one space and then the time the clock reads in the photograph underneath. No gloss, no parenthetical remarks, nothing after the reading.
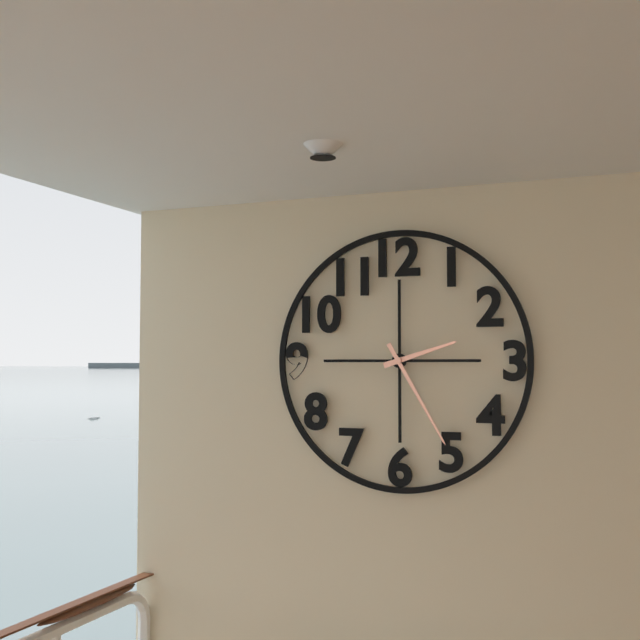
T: 2:25
